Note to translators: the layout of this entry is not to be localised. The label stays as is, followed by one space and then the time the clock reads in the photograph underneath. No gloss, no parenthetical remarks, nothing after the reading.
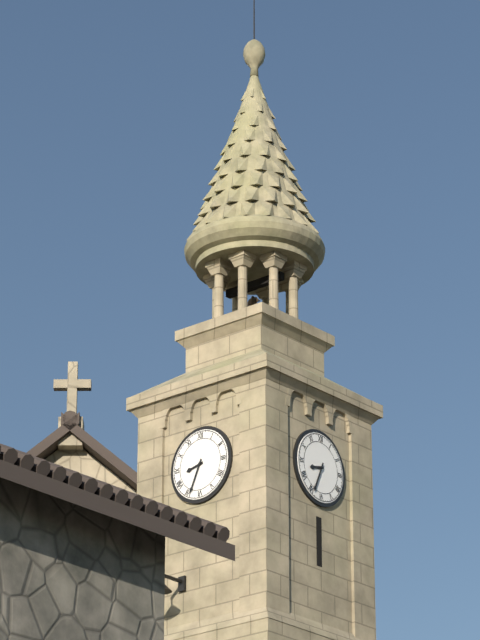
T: 8:34
